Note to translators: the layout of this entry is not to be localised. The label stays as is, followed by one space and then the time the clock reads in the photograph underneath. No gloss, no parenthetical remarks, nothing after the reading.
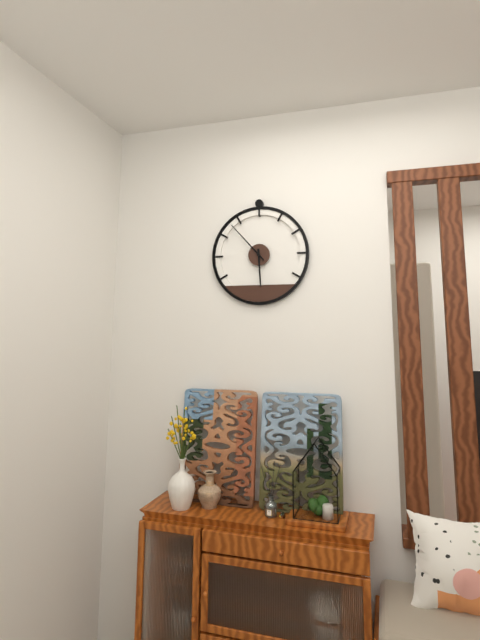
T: 5:53
